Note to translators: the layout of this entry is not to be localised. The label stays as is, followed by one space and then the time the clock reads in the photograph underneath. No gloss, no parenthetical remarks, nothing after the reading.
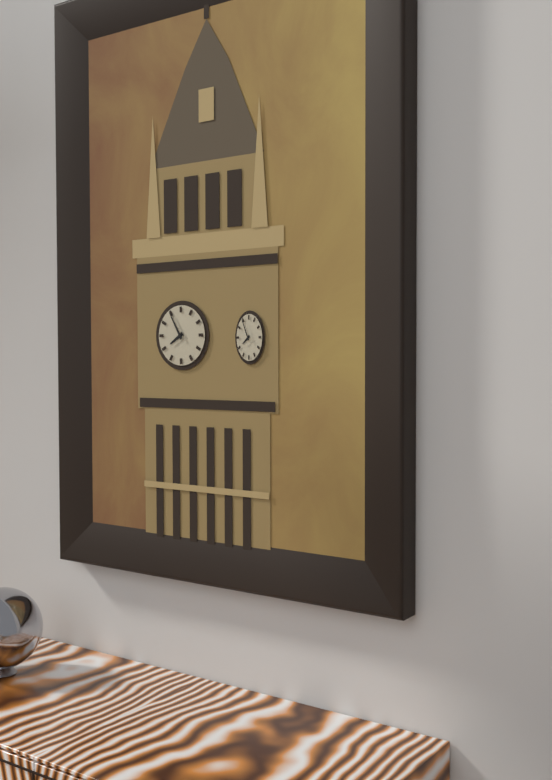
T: 7:55
